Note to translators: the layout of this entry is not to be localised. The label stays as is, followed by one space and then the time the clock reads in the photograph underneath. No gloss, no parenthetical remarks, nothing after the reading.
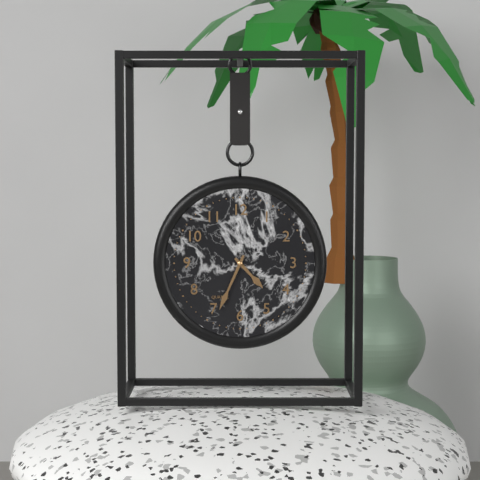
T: 4:34
